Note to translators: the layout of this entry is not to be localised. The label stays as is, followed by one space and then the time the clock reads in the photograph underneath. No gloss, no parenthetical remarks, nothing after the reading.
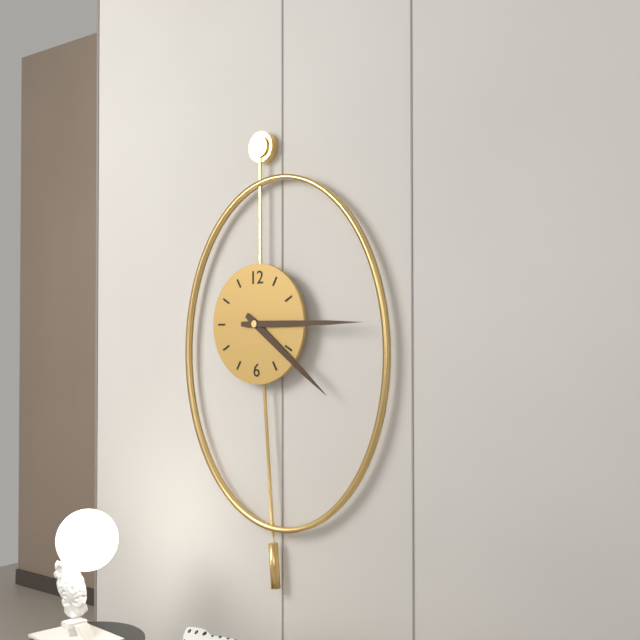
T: 4:15
